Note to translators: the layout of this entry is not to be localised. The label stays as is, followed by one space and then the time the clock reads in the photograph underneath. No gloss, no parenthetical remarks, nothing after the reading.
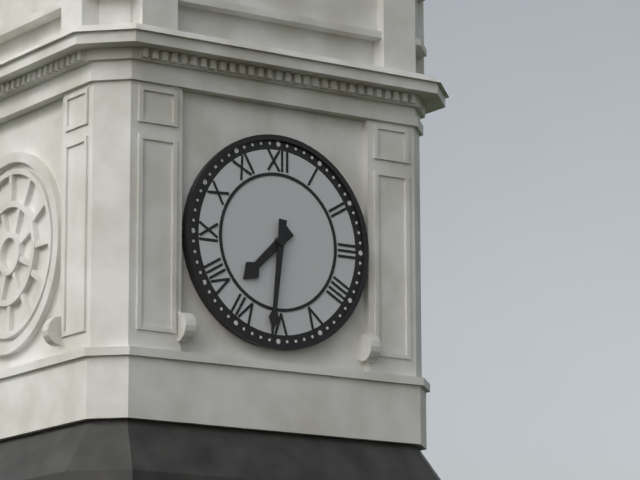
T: 7:31
